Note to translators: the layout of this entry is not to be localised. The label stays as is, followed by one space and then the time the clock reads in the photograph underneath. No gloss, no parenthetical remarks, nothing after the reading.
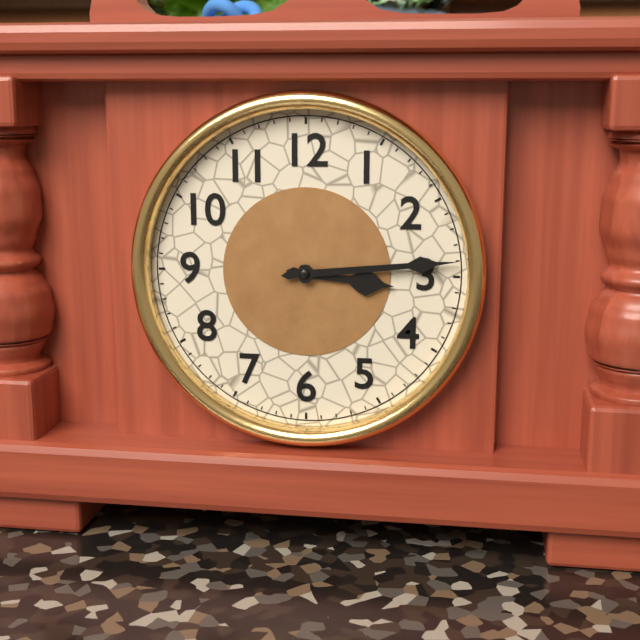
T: 3:14
